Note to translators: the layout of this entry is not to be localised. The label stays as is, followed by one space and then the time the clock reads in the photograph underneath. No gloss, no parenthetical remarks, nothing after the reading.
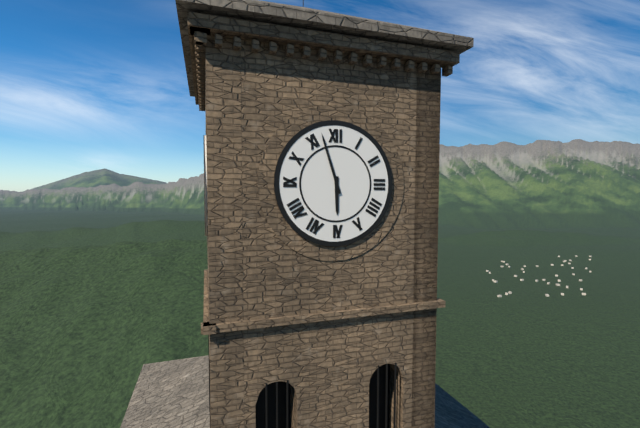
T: 5:57
